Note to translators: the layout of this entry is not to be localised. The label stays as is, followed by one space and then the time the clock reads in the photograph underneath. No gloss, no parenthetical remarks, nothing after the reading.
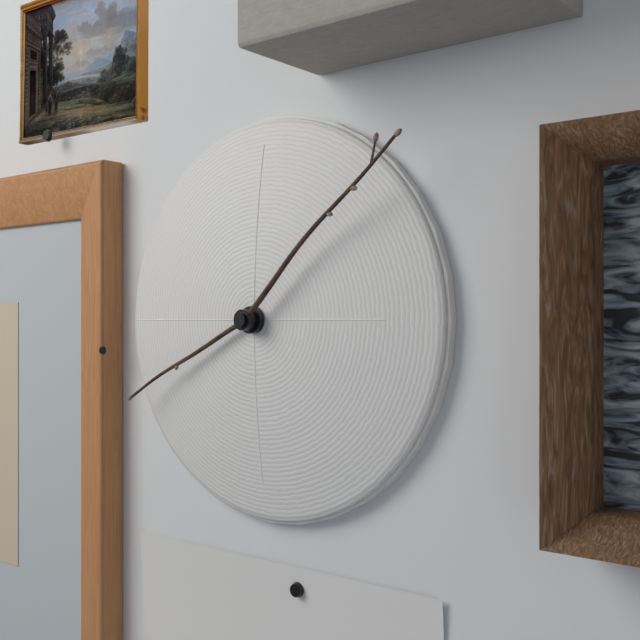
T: 8:08
